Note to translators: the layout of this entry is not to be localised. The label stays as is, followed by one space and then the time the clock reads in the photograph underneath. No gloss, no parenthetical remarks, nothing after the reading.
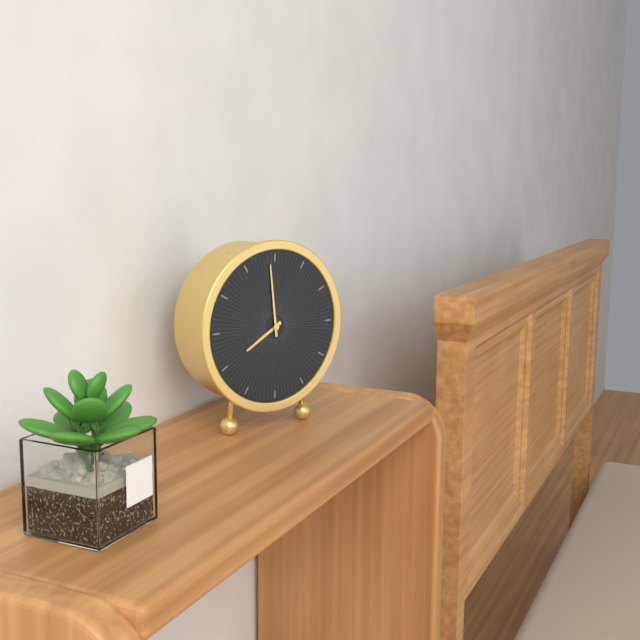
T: 7:59
